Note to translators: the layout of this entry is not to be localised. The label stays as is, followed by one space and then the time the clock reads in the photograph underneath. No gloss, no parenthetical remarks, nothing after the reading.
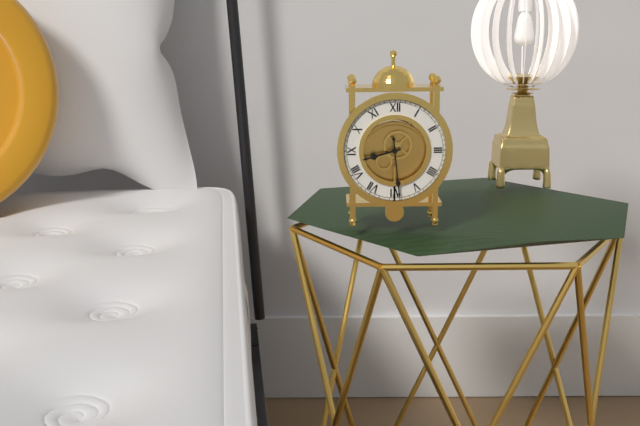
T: 8:29
